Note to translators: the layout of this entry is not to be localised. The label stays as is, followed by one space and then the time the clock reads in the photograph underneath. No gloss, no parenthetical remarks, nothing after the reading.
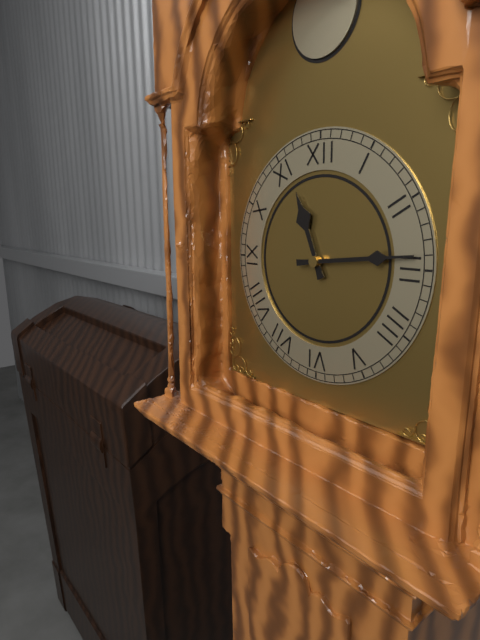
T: 11:14
